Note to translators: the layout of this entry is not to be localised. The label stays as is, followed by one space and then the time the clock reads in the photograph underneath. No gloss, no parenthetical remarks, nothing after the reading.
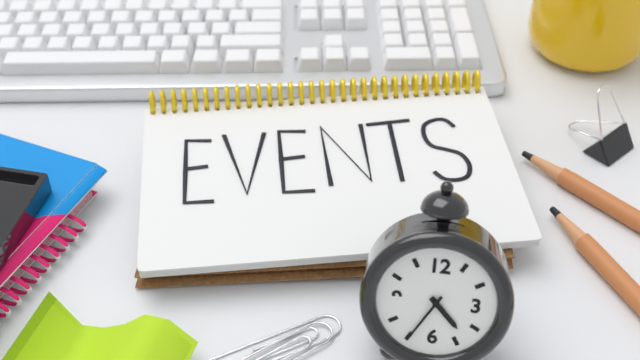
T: 4:35
